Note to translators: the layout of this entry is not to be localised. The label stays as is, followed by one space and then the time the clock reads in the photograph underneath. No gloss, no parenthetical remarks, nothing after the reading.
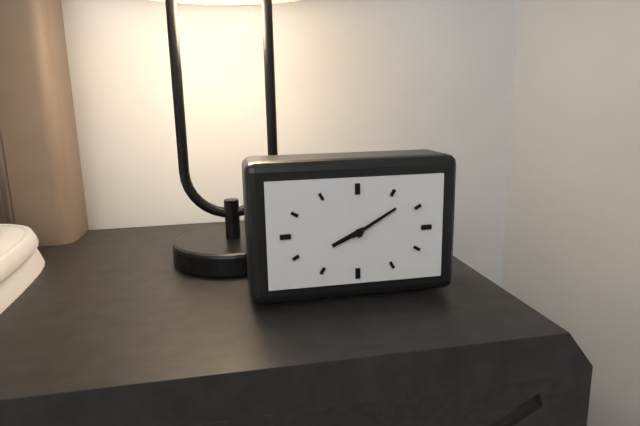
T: 8:10
